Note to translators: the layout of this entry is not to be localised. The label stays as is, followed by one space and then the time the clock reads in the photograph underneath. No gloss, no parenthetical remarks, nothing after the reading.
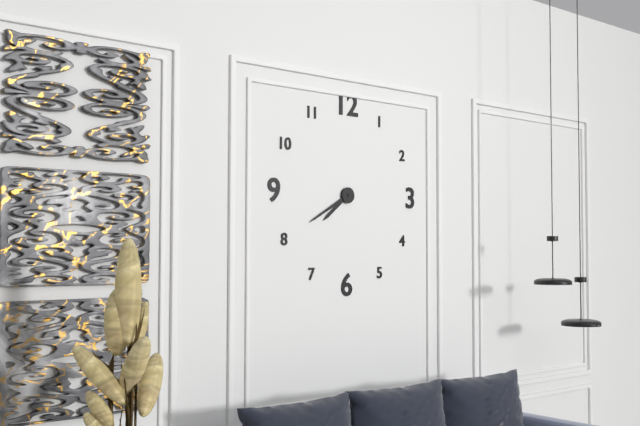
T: 7:40
